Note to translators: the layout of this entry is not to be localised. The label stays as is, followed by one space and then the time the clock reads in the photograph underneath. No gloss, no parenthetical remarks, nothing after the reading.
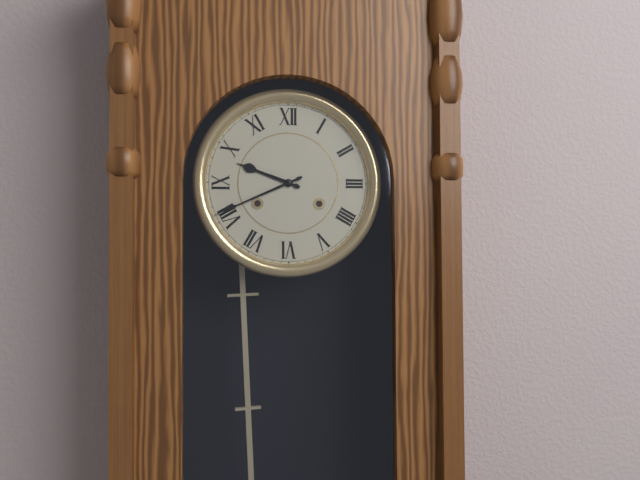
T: 9:41
